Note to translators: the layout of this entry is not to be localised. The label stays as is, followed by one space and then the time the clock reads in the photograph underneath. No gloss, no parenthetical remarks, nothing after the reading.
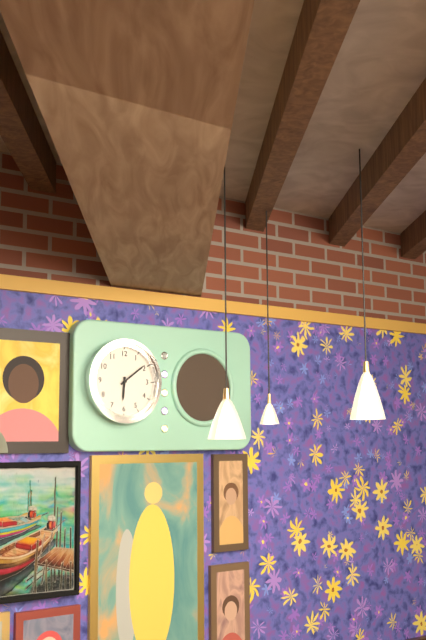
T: 6:09
